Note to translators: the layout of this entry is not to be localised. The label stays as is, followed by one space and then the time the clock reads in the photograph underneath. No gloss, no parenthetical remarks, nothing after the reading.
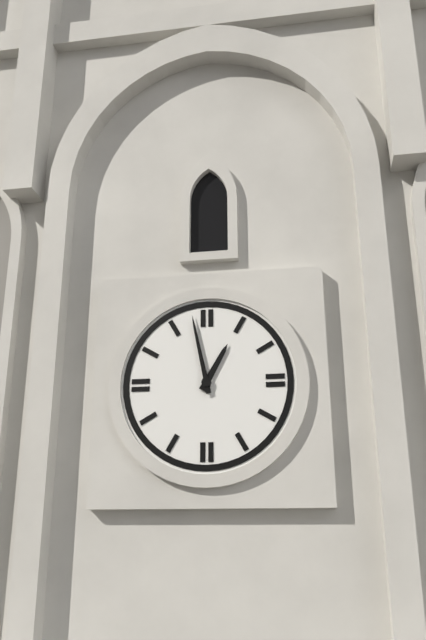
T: 12:58
